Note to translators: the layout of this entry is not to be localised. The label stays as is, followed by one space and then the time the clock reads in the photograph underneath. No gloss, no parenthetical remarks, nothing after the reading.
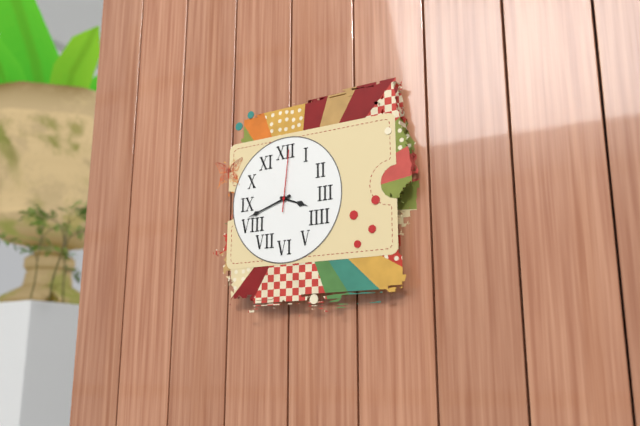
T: 3:42:01
